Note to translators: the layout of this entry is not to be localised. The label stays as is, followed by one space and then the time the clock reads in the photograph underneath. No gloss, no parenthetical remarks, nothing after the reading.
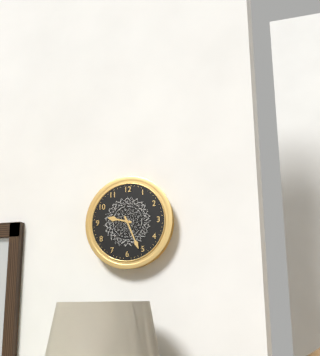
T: 9:26
